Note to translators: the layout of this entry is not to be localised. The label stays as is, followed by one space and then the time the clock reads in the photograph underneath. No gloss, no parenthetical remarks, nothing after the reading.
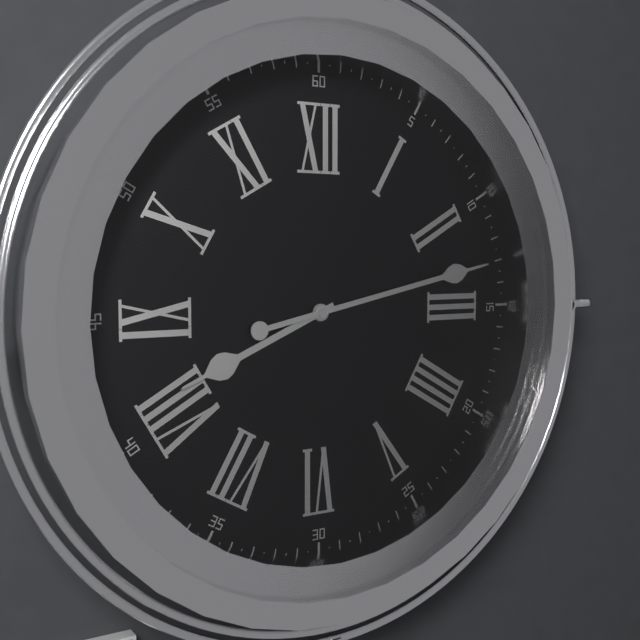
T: 8:13
